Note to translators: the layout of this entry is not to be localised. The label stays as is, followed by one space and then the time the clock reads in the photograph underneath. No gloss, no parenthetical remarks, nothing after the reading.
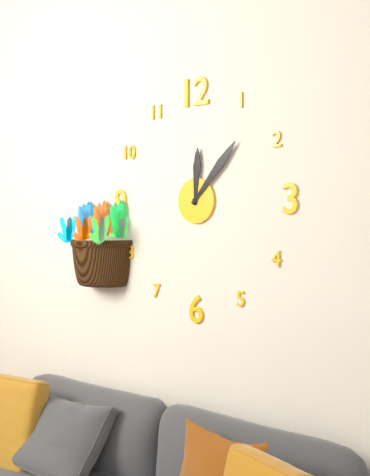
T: 12:07
